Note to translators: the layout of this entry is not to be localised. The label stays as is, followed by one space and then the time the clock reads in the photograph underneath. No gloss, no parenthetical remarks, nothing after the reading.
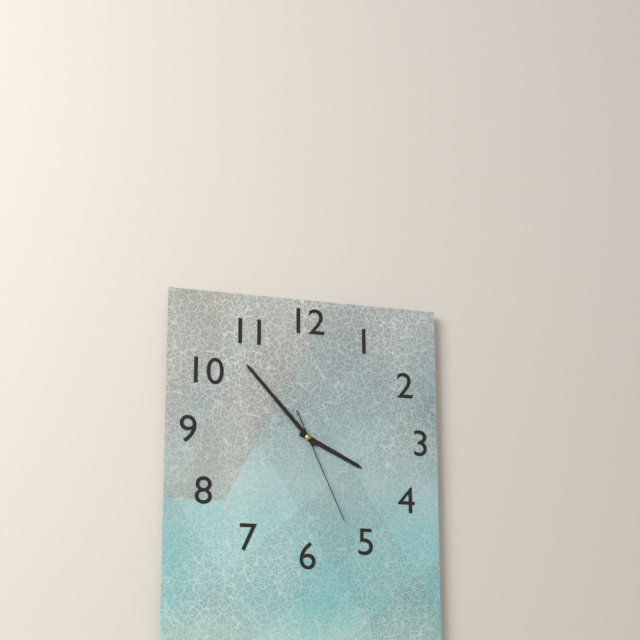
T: 3:53:26
